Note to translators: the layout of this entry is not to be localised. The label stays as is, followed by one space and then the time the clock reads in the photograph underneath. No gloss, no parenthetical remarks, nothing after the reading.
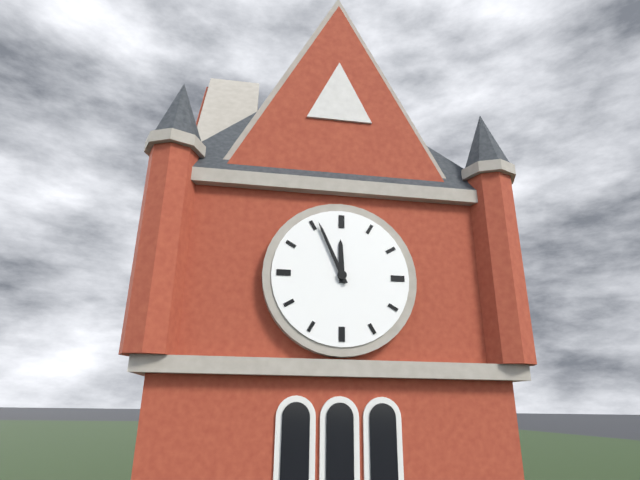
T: 11:56
